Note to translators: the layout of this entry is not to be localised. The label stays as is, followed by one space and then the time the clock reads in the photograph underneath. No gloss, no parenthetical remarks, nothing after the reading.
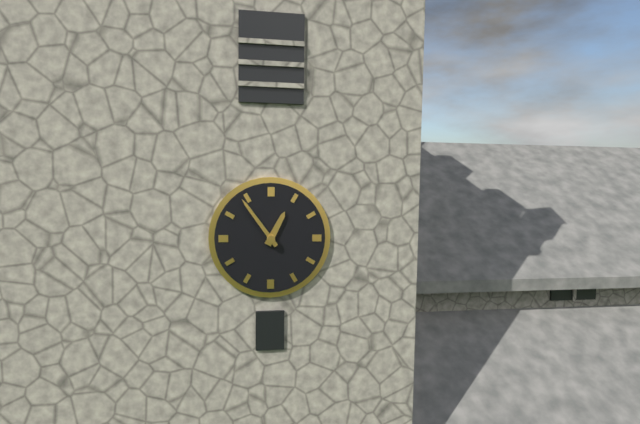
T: 12:54
